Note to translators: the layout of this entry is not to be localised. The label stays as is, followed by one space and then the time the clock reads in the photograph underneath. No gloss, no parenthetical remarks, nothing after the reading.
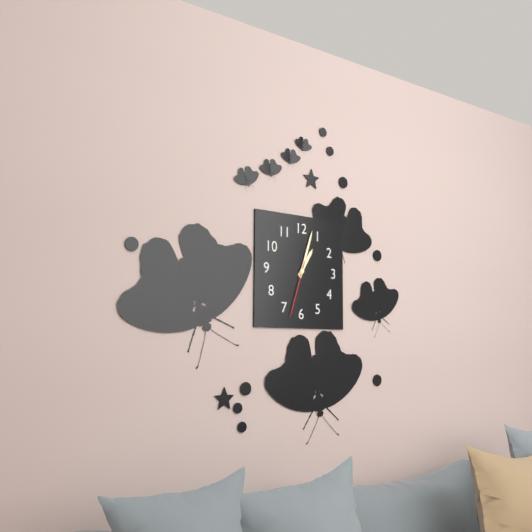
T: 1:03:33
